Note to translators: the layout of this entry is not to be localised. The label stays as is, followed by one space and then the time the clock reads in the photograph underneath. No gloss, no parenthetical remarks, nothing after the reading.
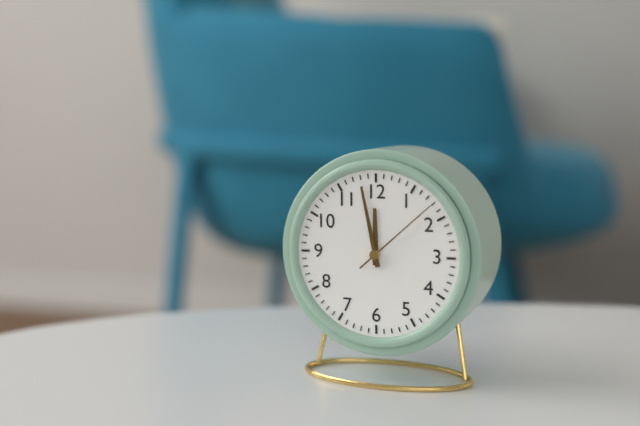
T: 11:58:08
